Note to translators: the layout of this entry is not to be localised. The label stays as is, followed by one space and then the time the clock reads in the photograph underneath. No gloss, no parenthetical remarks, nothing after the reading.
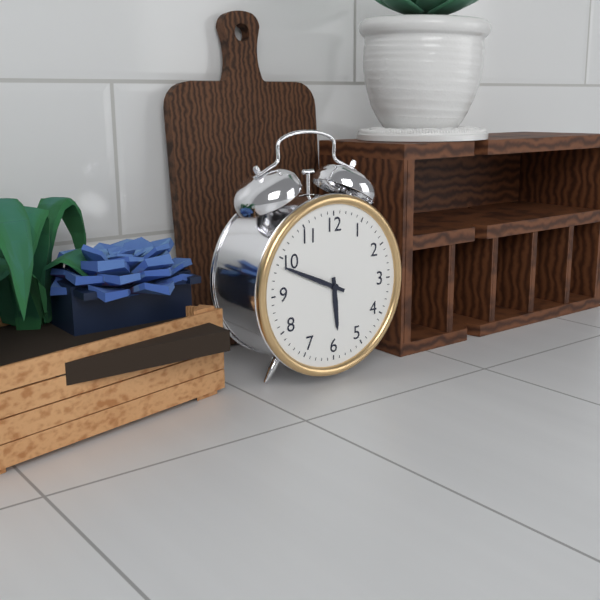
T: 5:49
